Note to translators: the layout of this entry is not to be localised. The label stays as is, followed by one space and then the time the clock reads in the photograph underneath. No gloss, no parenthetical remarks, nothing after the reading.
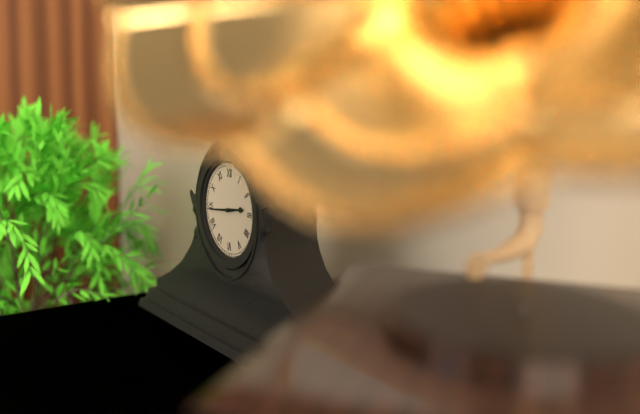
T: 2:44
